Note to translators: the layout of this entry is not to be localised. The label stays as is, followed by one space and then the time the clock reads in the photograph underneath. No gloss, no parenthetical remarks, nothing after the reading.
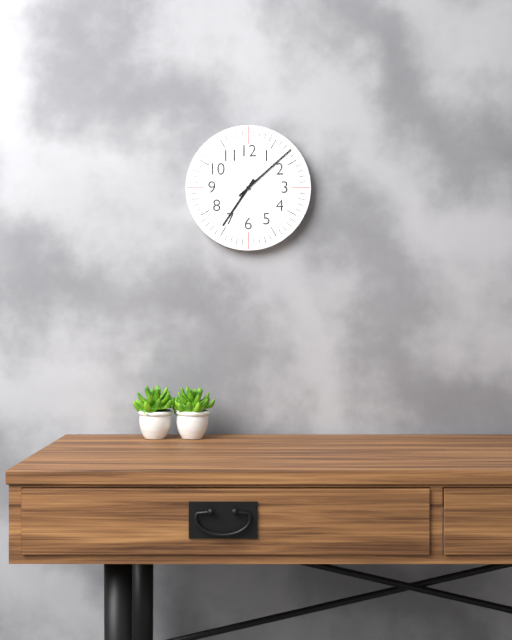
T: 7:08
